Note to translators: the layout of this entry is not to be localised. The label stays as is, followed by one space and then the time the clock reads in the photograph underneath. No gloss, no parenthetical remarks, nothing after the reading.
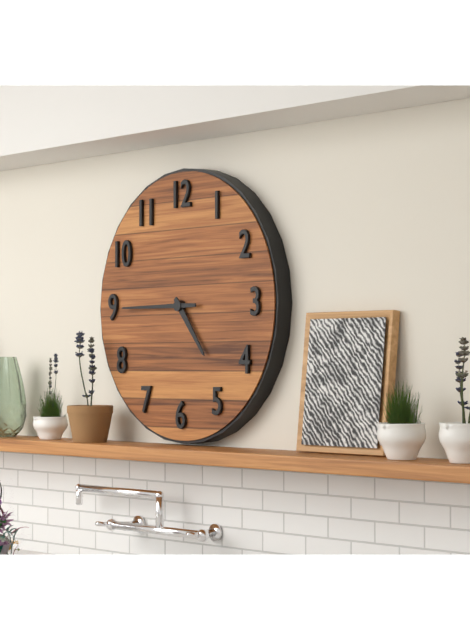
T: 4:45
